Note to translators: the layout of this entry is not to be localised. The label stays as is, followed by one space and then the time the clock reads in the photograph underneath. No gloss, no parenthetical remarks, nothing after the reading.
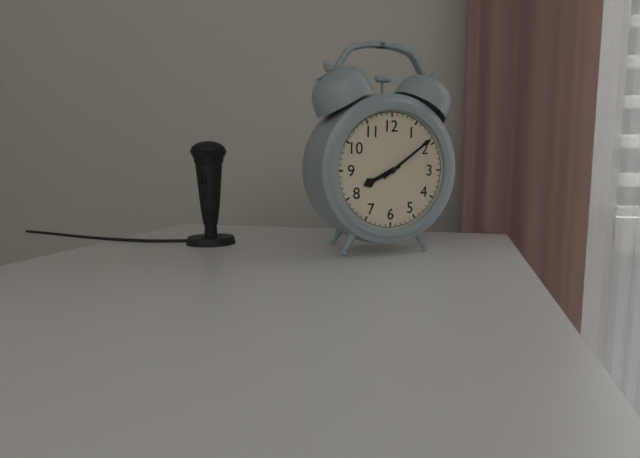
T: 8:09
